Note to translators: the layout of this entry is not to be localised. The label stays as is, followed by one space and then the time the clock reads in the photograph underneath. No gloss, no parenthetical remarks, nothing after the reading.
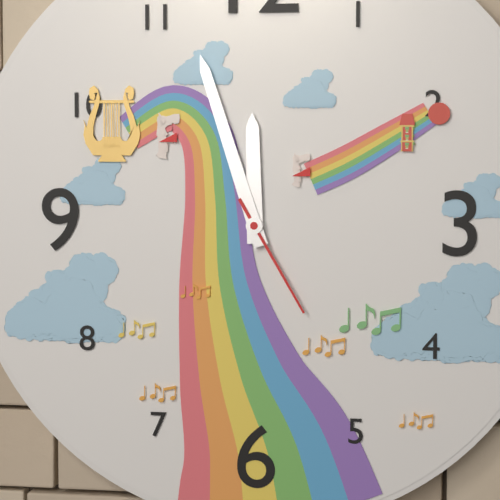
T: 11:57:25
